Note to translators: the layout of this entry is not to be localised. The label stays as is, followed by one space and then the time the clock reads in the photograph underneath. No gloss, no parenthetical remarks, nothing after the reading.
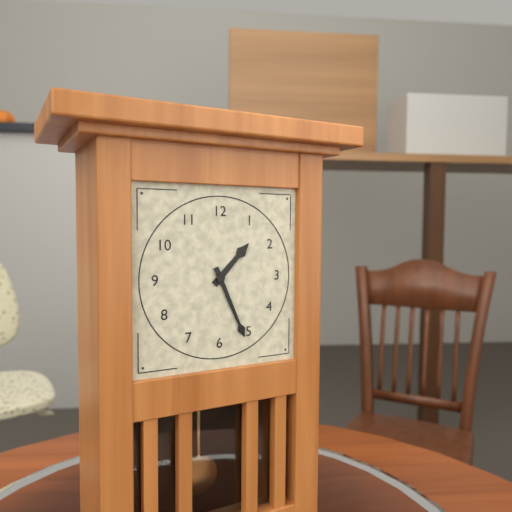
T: 1:26
